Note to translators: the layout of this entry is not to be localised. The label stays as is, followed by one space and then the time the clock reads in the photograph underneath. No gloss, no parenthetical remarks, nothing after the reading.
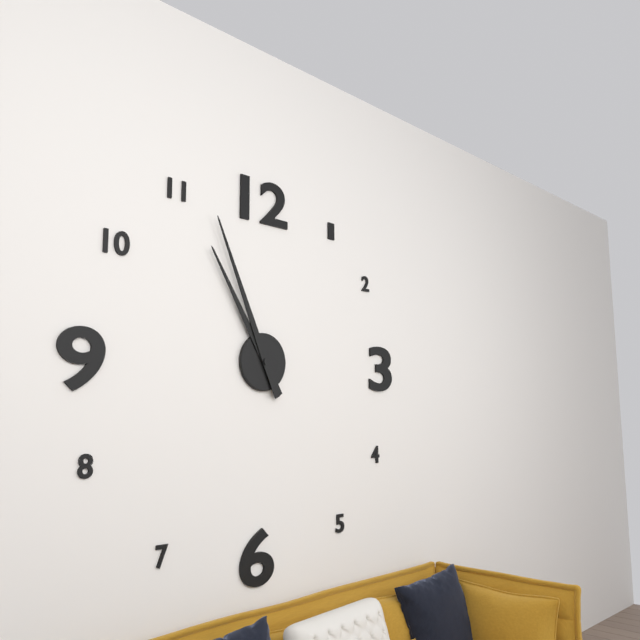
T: 10:56
